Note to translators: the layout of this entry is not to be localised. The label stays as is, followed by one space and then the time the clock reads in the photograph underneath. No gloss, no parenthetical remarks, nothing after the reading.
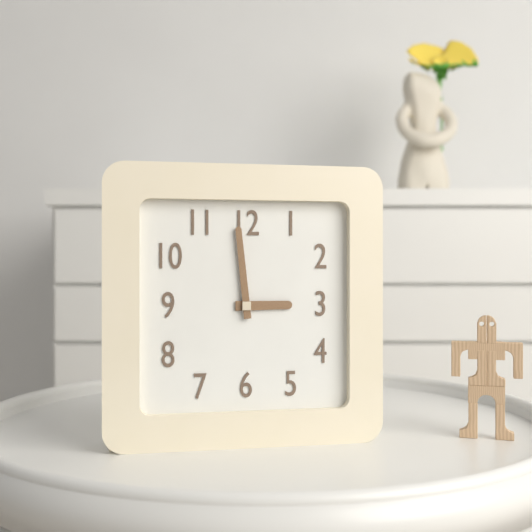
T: 2:59
